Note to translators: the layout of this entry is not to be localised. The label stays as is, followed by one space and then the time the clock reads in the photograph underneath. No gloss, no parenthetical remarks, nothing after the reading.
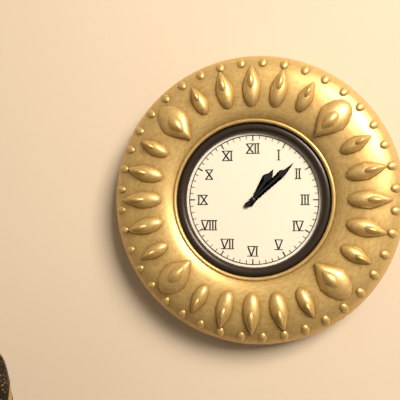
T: 1:08
